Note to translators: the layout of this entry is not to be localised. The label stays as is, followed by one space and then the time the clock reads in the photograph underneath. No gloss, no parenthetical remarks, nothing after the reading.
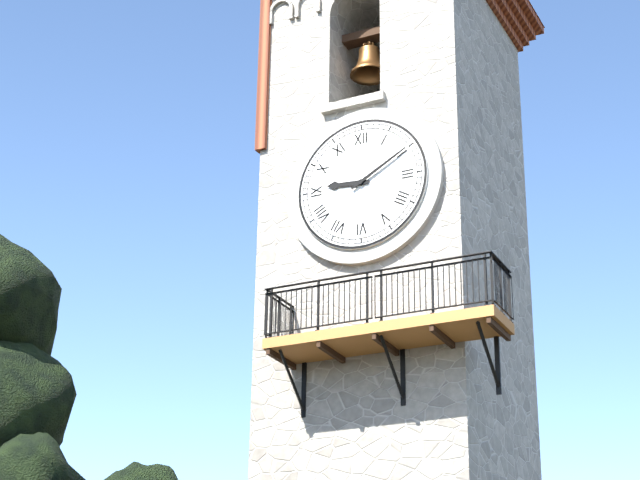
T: 9:10
